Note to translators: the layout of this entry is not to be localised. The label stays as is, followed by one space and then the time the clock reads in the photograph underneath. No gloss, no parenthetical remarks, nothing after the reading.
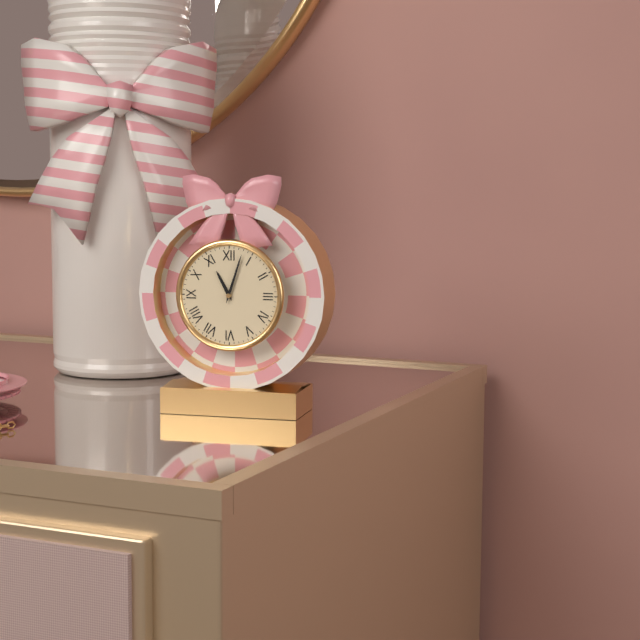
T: 11:03
